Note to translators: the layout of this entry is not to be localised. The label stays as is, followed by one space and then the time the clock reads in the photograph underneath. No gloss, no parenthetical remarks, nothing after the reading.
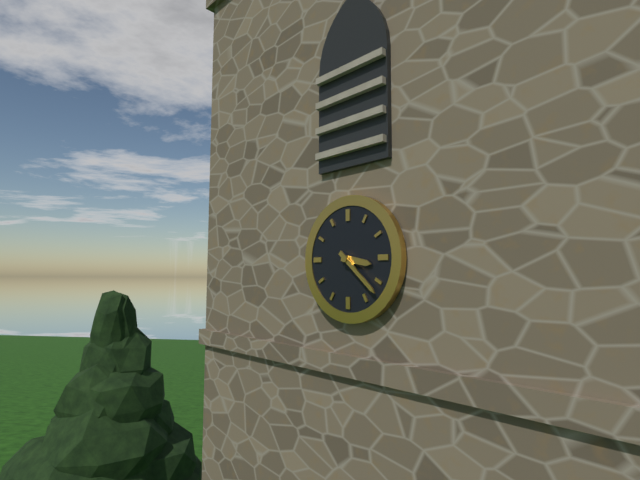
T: 3:22
